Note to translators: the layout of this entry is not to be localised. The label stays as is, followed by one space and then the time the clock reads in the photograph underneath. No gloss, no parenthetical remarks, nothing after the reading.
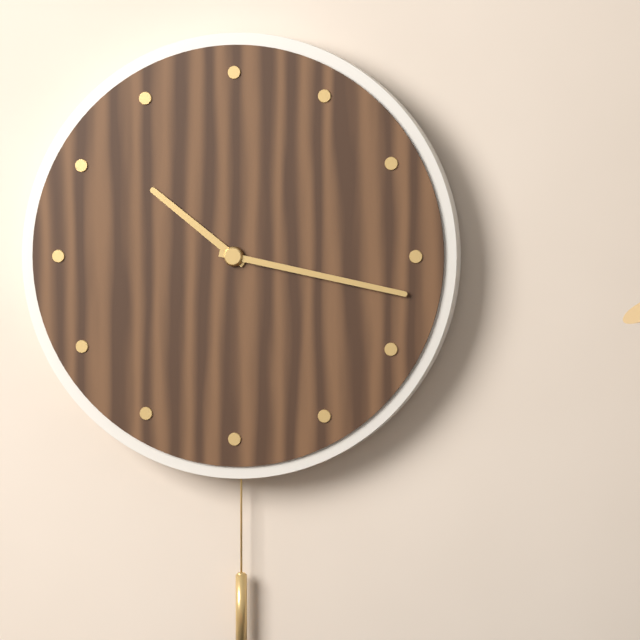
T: 10:17
